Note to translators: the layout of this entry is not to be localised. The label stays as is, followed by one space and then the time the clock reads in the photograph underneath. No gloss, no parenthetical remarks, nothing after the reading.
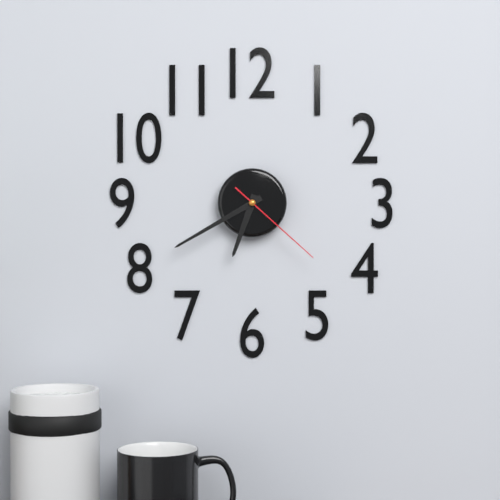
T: 6:40:22
